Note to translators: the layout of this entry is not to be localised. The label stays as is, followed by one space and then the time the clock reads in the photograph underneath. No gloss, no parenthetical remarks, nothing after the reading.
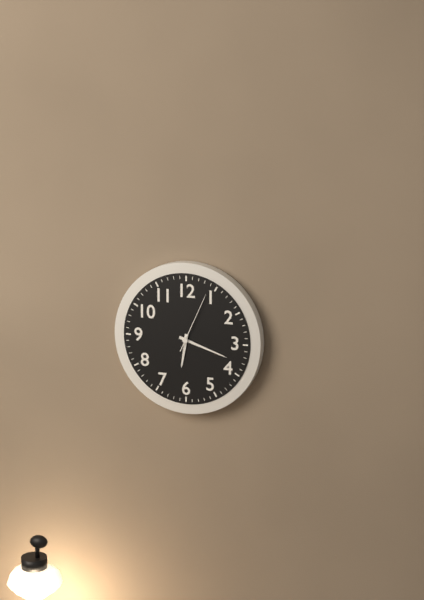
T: 6:18:04
